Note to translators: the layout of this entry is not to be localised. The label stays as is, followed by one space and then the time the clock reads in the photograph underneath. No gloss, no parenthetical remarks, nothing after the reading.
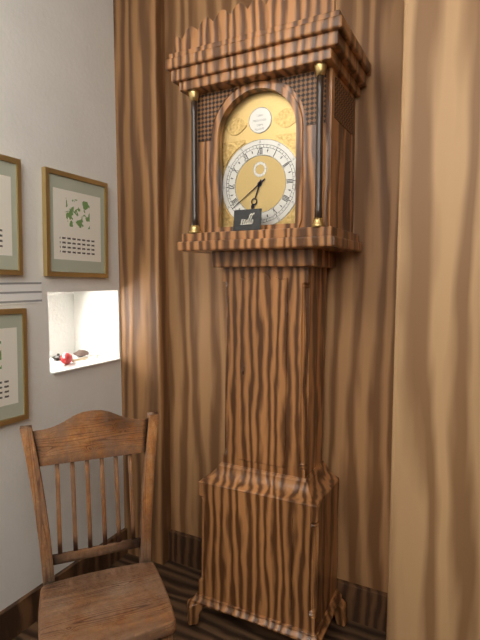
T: 6:39
